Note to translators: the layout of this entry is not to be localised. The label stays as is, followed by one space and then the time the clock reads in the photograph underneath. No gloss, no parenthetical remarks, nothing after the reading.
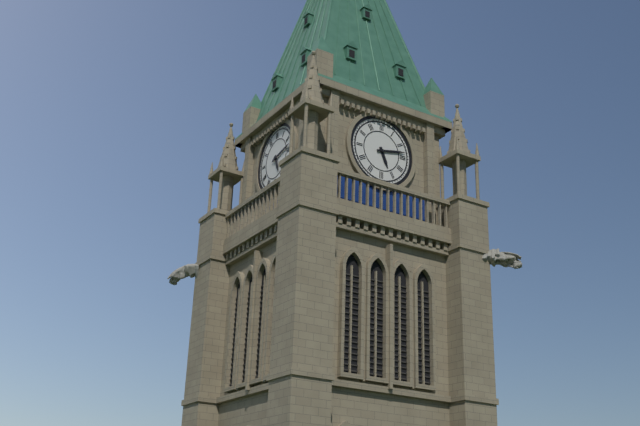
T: 5:13
